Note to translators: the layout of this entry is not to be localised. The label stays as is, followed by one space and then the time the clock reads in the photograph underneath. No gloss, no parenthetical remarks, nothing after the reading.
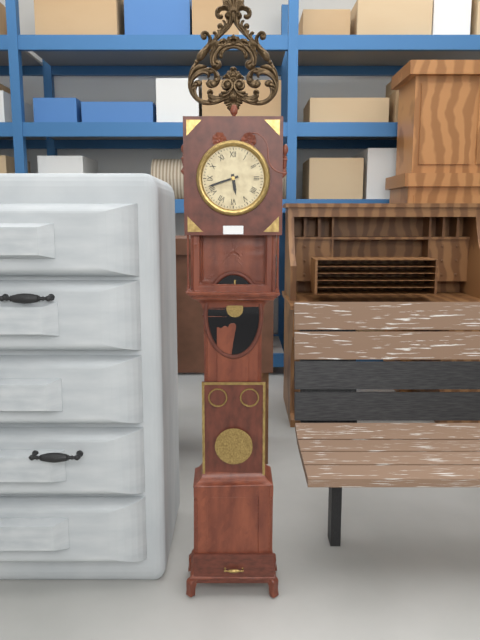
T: 5:42
